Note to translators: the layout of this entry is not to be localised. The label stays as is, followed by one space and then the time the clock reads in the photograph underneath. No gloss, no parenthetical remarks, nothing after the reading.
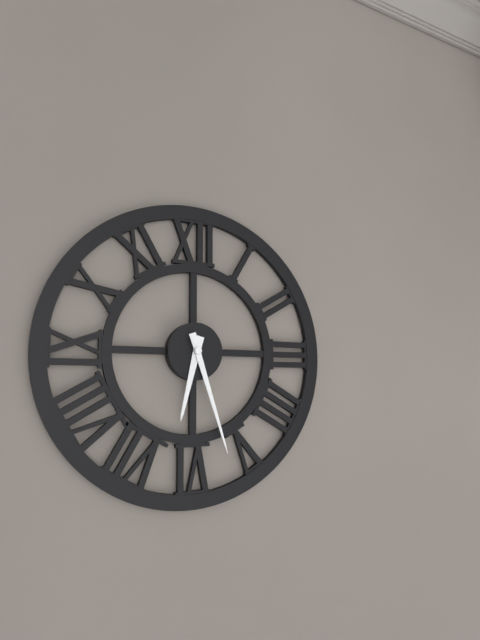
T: 6:27
